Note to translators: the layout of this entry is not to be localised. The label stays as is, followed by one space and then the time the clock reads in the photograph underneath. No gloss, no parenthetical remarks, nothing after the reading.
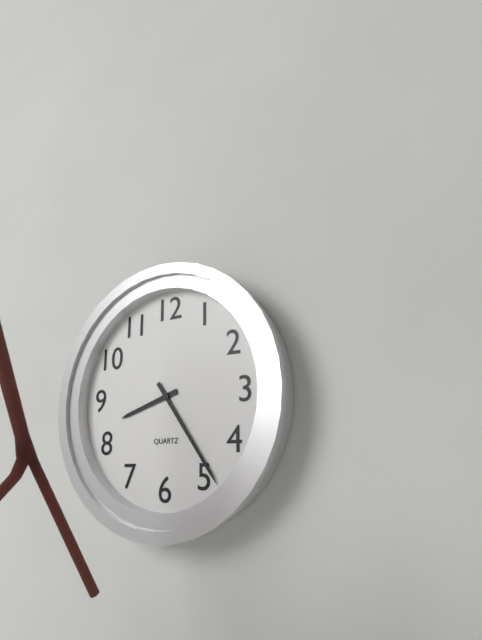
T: 8:24
